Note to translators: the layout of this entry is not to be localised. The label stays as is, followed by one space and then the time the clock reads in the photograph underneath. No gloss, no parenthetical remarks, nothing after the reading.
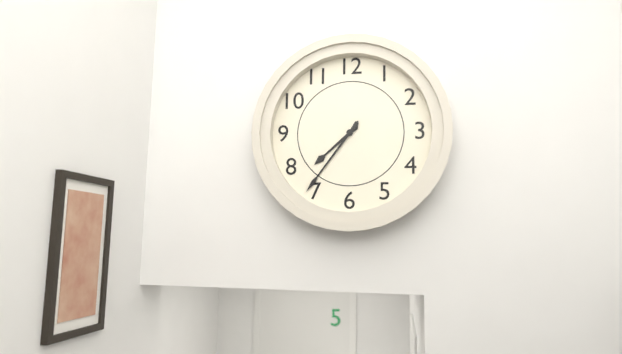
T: 7:36
